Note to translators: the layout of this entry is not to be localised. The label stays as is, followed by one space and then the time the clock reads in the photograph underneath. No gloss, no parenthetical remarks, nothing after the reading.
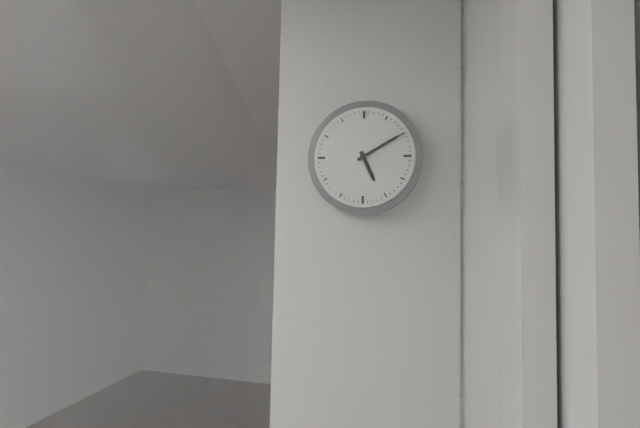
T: 5:10
